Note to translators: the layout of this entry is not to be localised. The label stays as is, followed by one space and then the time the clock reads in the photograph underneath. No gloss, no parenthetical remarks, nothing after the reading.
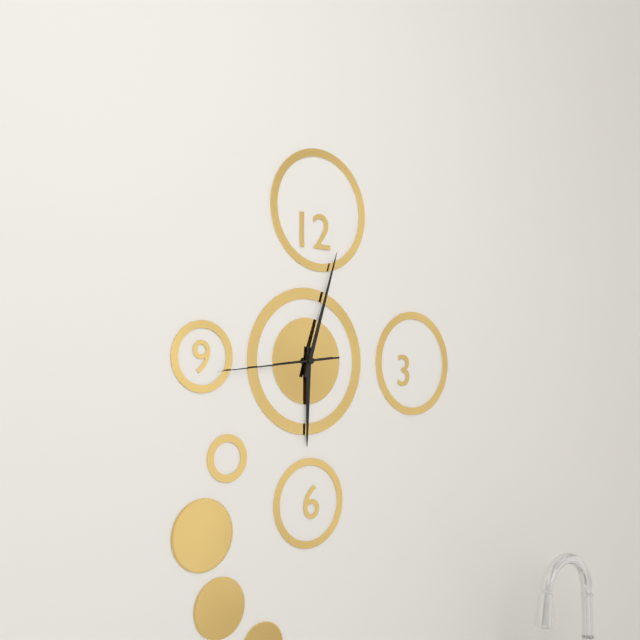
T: 6:03:44
